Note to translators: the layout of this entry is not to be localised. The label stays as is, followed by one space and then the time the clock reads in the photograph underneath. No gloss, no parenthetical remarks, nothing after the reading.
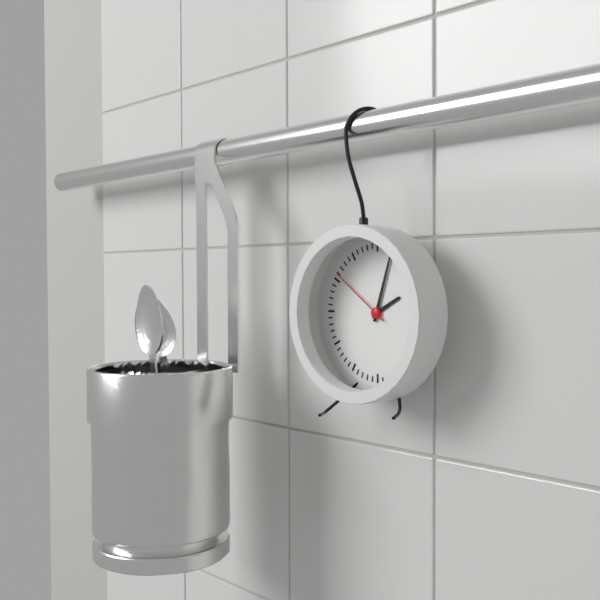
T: 2:03:51
